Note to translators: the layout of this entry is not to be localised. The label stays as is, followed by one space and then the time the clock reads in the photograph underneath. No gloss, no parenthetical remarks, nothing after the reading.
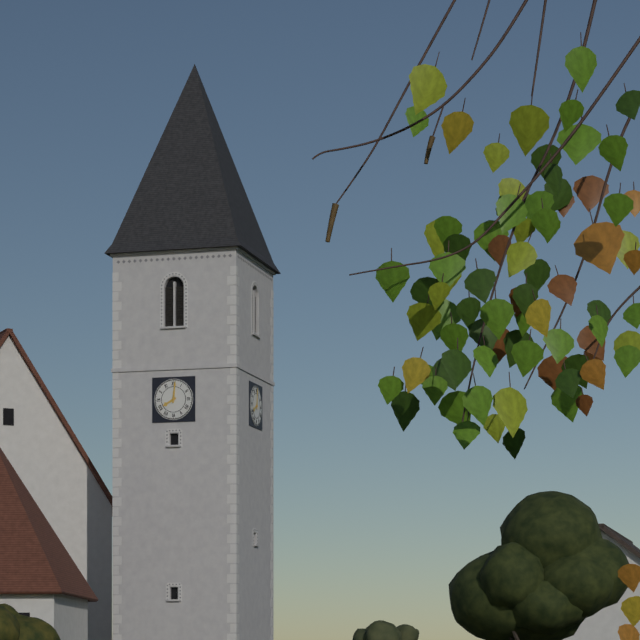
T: 8:01
